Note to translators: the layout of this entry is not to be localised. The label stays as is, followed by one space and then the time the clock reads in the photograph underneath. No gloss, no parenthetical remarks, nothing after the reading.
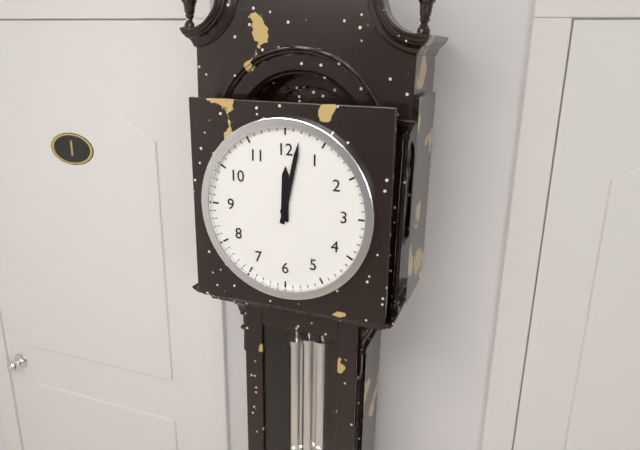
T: 12:02
